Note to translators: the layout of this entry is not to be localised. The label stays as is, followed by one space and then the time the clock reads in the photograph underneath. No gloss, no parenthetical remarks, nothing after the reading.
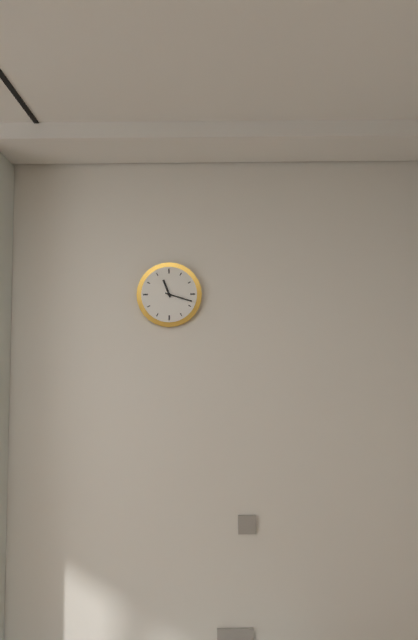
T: 11:18
